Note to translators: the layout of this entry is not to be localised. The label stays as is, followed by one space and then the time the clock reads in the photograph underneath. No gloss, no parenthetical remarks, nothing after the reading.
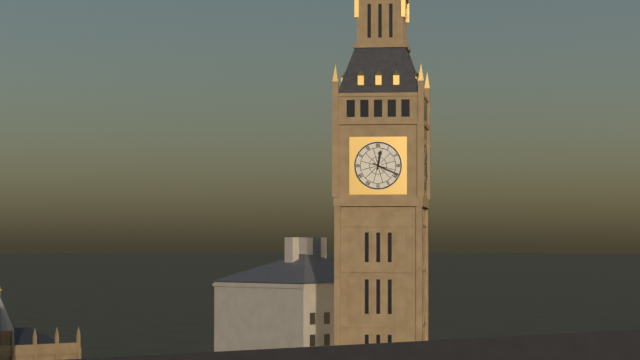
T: 12:19
